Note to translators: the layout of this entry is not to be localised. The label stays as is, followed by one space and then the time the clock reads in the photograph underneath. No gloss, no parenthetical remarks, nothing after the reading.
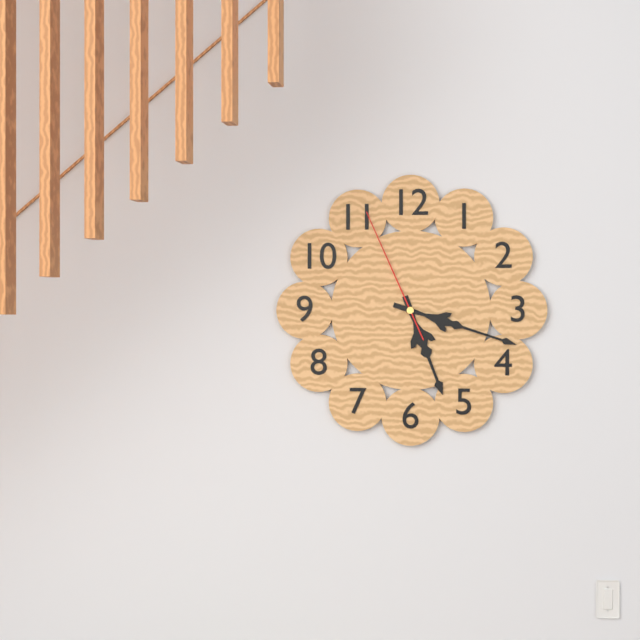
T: 5:18:56
